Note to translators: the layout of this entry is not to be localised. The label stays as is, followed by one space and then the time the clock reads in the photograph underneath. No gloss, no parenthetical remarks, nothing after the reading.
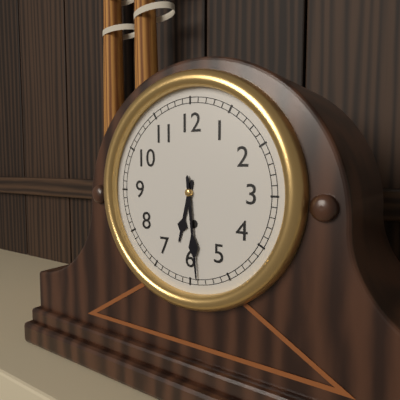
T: 6:29
